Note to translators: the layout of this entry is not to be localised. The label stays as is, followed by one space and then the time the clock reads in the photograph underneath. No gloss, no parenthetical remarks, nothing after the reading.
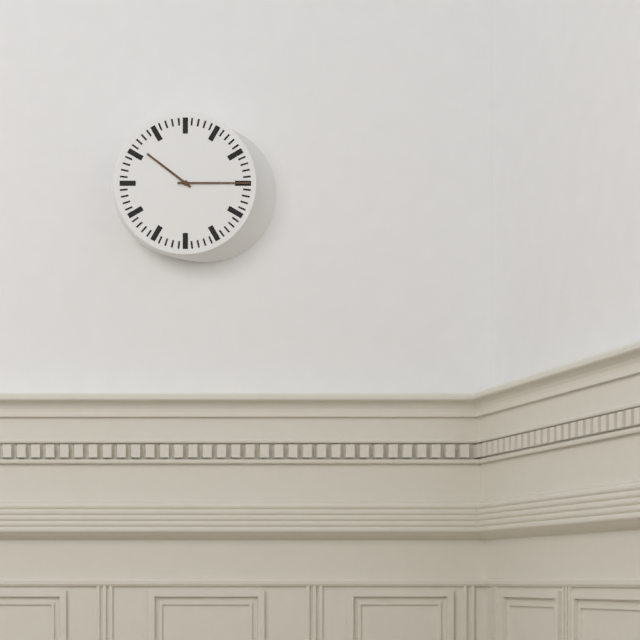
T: 10:15
